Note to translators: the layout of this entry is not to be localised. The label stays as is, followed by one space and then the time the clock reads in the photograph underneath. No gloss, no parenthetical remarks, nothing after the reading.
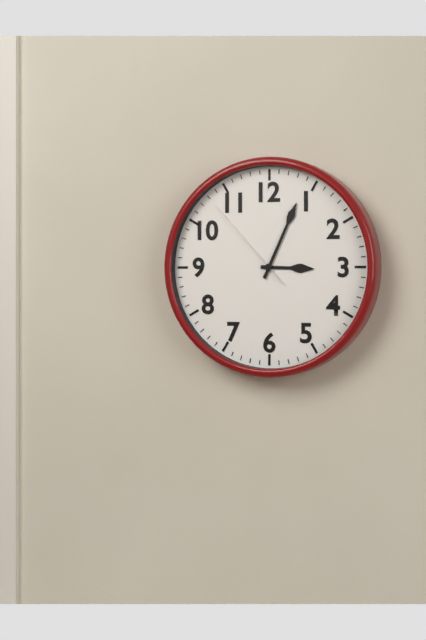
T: 3:04:53
